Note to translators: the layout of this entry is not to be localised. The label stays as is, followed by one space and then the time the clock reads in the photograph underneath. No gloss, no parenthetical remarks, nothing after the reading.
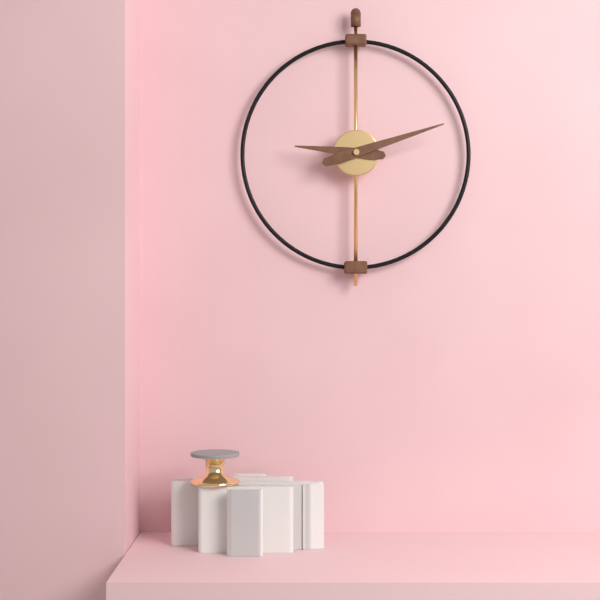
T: 9:12
